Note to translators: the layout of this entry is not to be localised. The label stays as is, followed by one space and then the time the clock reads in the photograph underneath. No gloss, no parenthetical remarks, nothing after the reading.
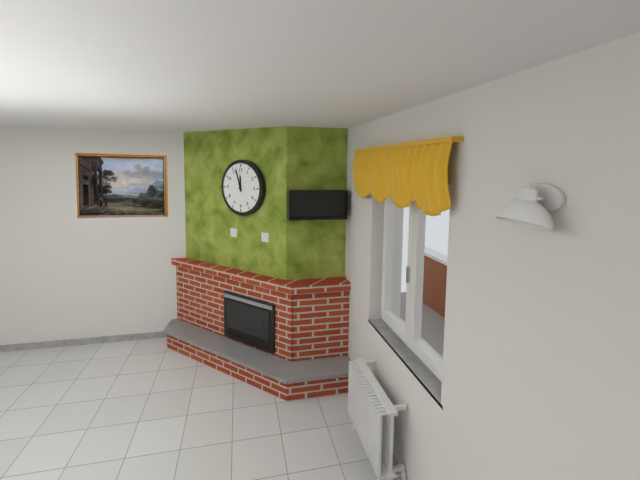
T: 11:57
